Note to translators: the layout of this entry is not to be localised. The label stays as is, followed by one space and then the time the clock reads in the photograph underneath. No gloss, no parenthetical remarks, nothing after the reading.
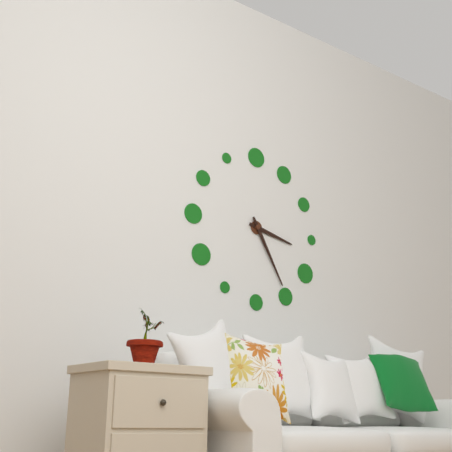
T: 3:25
